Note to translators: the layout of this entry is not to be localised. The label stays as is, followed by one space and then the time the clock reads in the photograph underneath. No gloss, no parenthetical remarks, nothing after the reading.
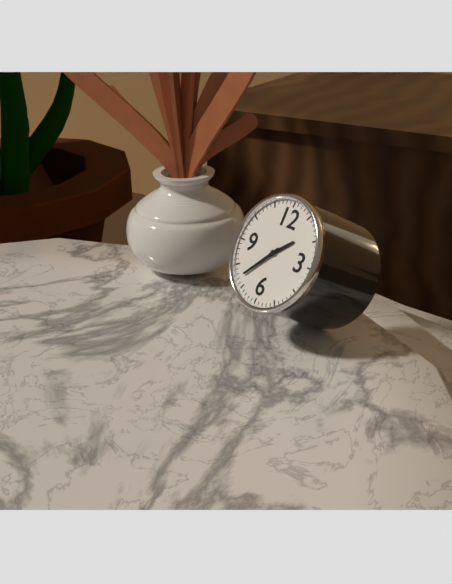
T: 1:37
